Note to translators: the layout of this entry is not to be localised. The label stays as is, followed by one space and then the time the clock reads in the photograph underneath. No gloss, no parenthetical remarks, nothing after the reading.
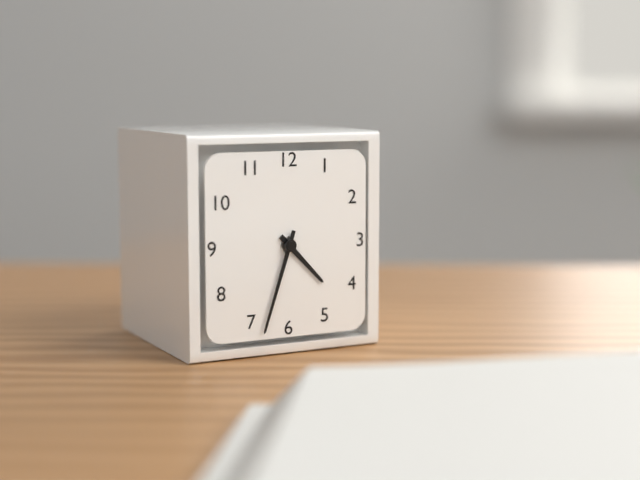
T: 4:33
